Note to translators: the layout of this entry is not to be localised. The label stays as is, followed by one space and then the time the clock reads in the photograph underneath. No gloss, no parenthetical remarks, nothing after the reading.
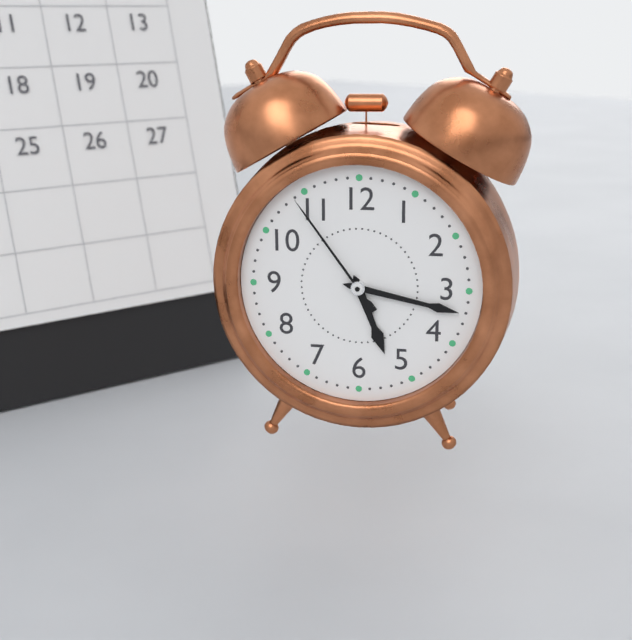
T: 5:17:54
